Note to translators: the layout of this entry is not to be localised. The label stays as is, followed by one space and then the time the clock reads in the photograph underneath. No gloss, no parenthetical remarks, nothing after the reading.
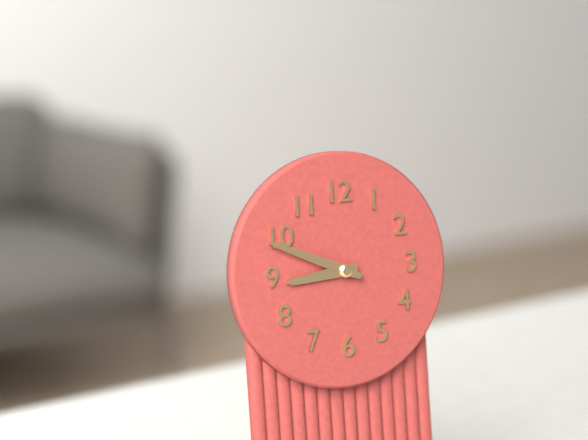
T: 8:49
